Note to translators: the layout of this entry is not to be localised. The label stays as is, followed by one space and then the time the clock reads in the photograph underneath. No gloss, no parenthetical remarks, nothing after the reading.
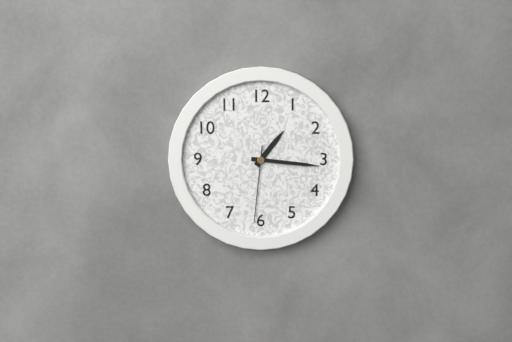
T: 1:16:31
